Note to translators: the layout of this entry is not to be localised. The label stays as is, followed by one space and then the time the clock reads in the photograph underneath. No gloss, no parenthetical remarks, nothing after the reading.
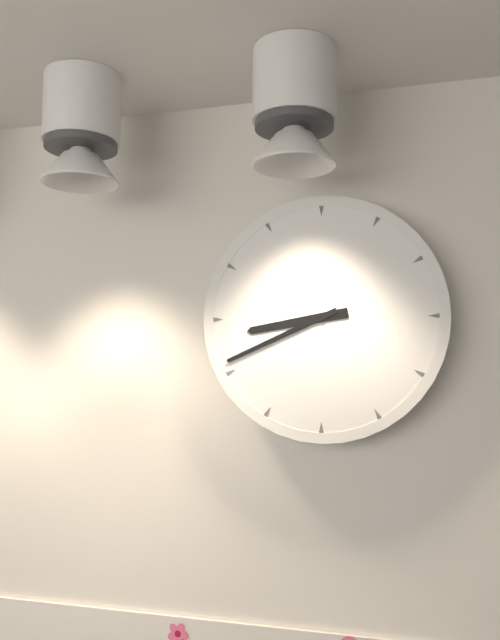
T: 8:41
